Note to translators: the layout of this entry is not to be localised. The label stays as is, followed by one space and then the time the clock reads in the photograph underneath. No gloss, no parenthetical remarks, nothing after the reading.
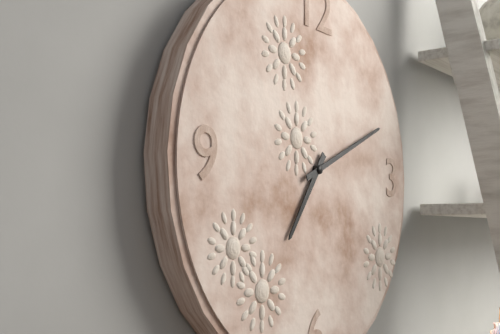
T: 7:11
